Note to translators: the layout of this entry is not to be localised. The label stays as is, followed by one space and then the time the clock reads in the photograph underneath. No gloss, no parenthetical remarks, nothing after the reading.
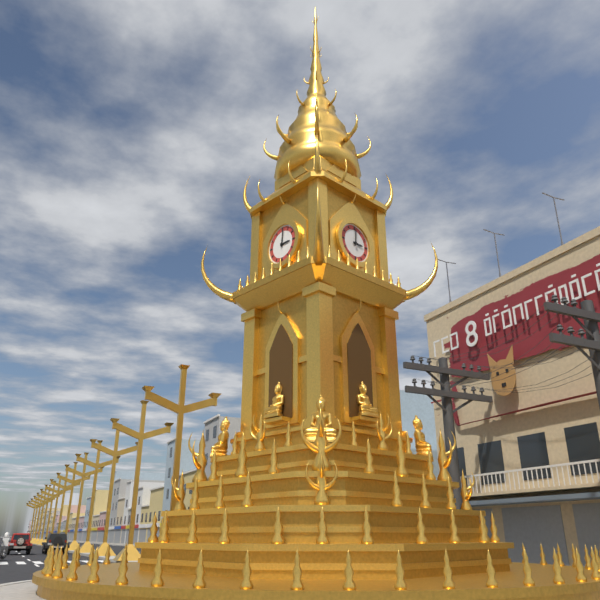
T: 3:01
